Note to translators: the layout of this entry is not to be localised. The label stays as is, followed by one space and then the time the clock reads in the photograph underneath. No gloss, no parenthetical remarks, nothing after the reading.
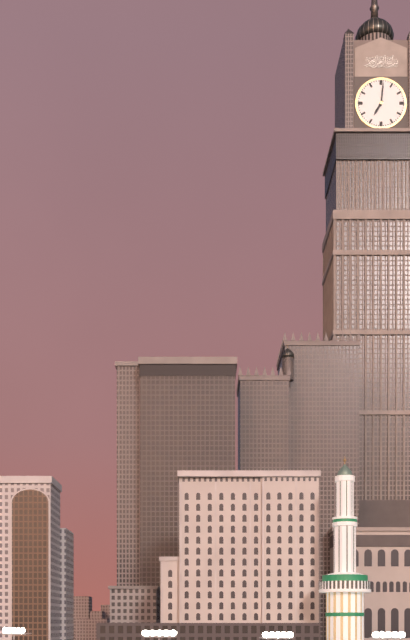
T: 7:01
